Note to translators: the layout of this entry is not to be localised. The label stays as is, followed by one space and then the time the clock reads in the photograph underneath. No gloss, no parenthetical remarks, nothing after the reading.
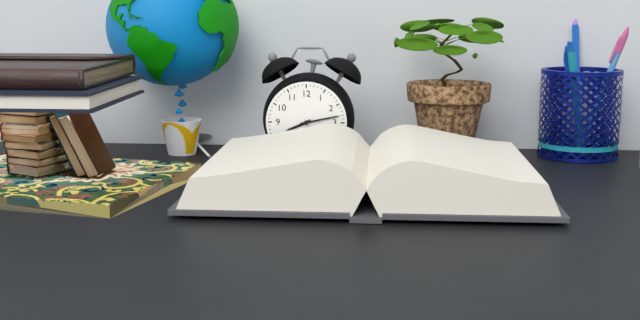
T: 8:13
